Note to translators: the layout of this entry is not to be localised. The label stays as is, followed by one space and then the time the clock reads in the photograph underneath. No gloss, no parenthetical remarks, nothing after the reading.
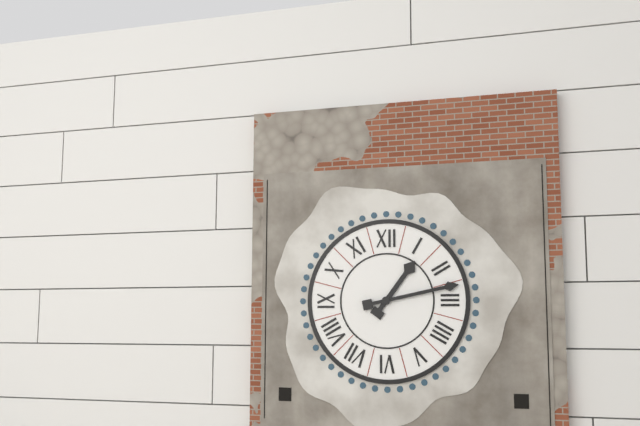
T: 1:13
